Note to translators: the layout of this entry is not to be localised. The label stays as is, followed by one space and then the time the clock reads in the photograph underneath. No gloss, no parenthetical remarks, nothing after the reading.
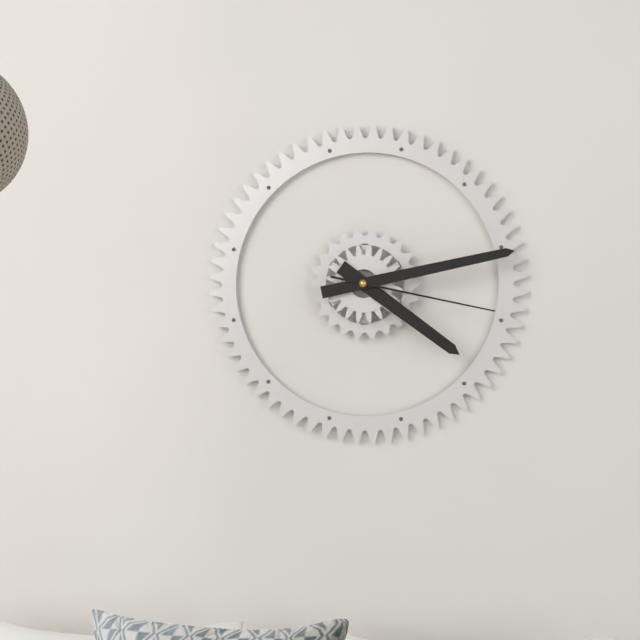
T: 4:13:17
